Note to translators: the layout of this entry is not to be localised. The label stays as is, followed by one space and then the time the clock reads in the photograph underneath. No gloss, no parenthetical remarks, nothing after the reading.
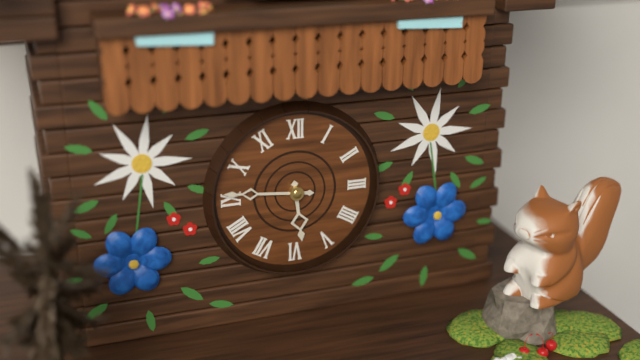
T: 5:46
